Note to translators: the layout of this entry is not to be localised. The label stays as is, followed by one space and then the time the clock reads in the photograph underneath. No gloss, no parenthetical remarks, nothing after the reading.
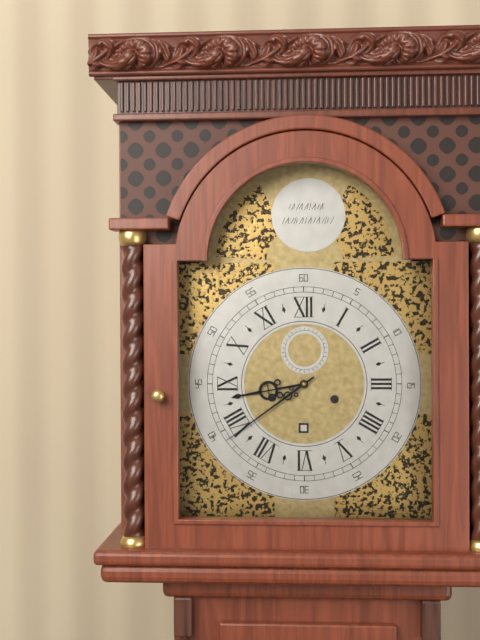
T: 8:39
